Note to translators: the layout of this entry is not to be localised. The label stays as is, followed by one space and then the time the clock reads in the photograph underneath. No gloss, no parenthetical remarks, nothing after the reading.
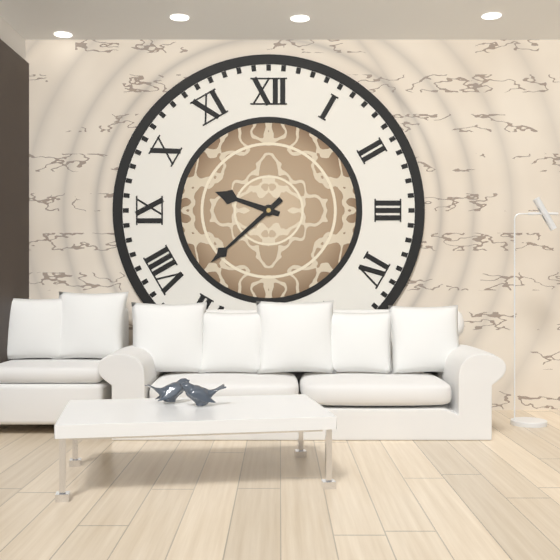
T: 9:38
